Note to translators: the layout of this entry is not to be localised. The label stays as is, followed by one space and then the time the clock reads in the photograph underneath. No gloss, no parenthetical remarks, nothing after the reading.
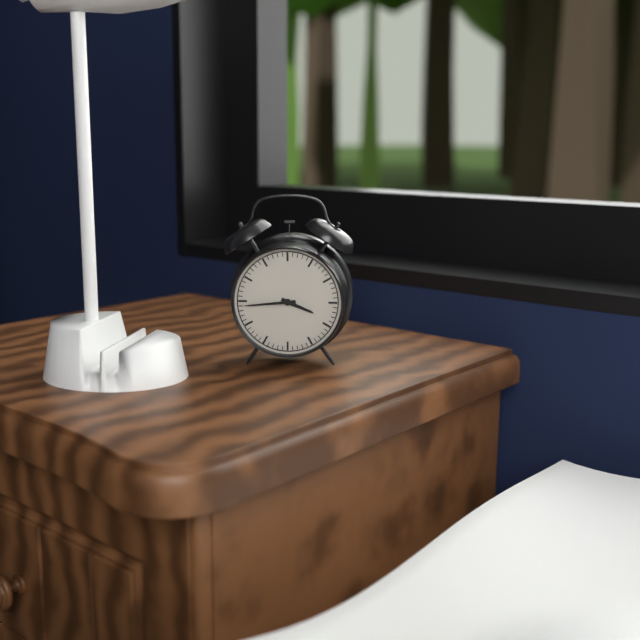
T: 3:44
